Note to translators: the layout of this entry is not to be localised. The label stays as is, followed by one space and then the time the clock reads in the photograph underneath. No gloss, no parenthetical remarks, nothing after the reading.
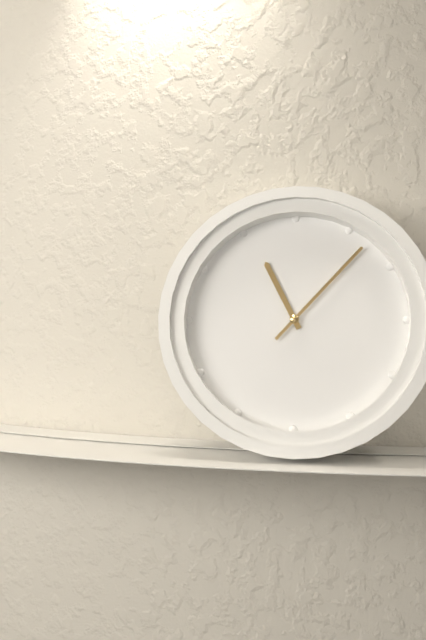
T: 11:07
